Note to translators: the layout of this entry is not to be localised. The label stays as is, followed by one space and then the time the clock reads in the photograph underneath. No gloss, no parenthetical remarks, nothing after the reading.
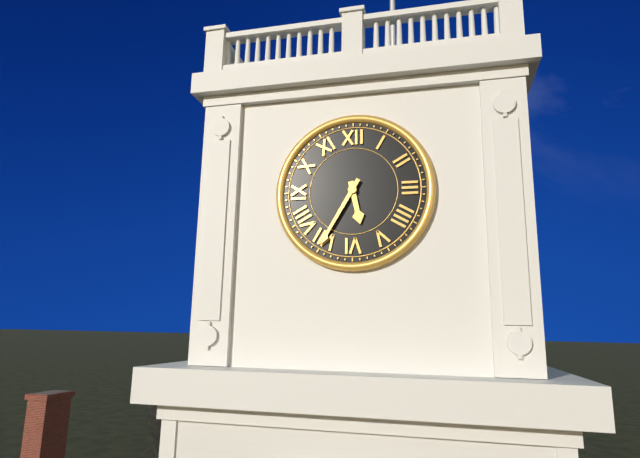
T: 5:35
